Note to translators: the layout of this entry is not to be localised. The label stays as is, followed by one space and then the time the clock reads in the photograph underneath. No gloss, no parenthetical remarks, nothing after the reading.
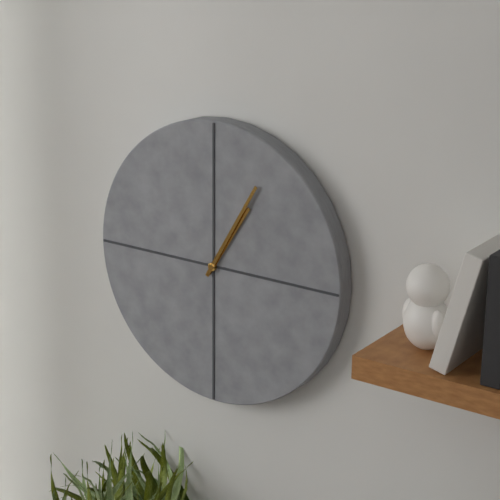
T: 1:05
